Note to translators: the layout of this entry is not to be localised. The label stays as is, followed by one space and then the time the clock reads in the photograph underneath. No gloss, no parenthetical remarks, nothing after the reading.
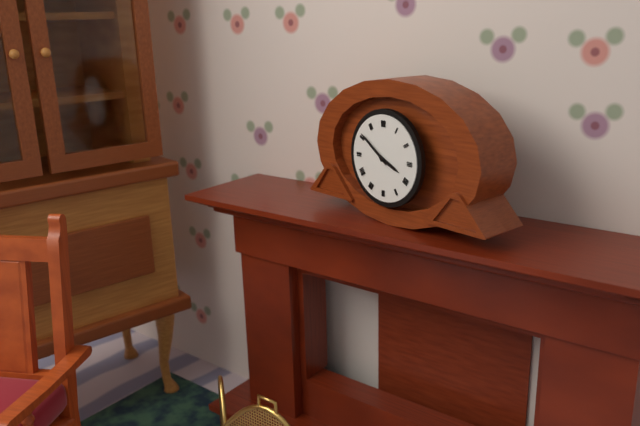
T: 3:51
